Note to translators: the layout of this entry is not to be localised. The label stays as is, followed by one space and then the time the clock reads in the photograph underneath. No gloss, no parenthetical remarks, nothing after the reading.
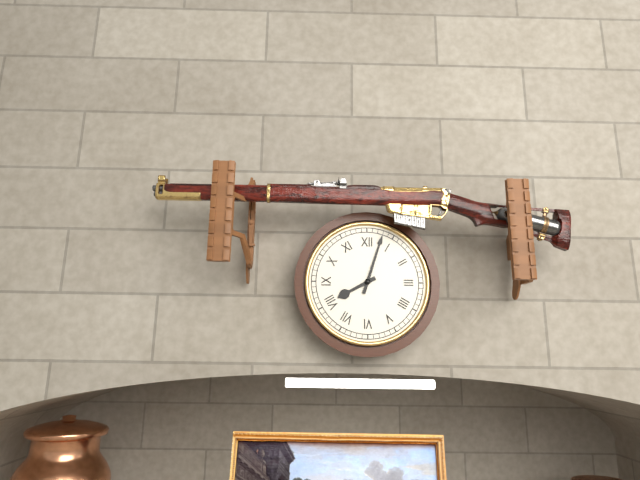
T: 8:03
